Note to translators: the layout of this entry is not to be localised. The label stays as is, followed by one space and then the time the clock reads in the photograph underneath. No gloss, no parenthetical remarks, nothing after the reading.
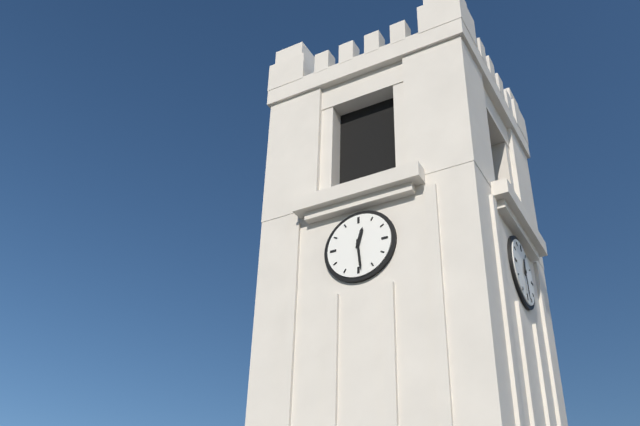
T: 12:29
